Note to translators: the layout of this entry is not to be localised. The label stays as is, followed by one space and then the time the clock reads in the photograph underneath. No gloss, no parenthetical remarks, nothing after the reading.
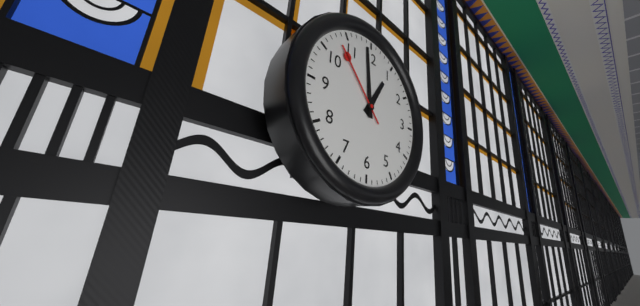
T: 12:59:53
